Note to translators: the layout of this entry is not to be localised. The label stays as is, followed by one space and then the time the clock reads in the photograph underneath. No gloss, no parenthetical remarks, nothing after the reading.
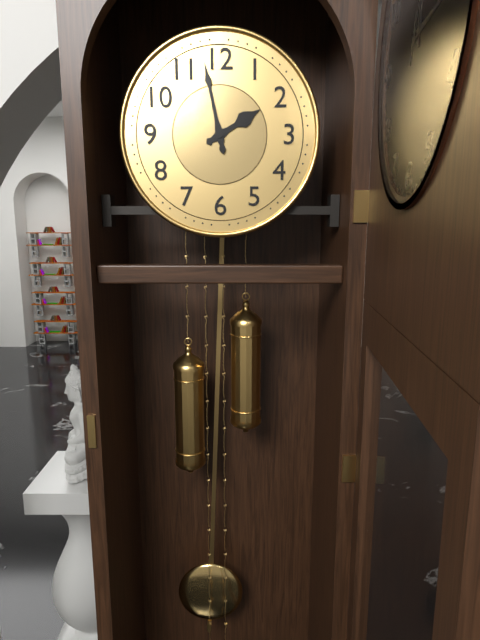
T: 1:58
